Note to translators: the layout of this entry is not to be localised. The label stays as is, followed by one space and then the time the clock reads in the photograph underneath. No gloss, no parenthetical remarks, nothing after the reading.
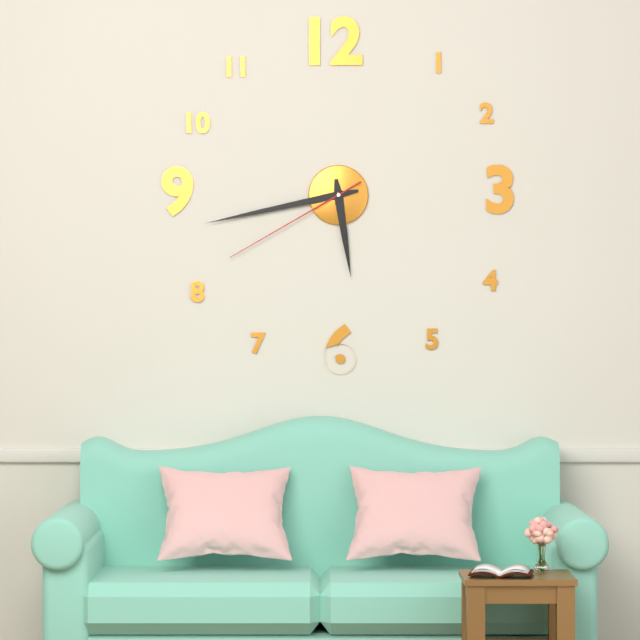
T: 5:43:40
